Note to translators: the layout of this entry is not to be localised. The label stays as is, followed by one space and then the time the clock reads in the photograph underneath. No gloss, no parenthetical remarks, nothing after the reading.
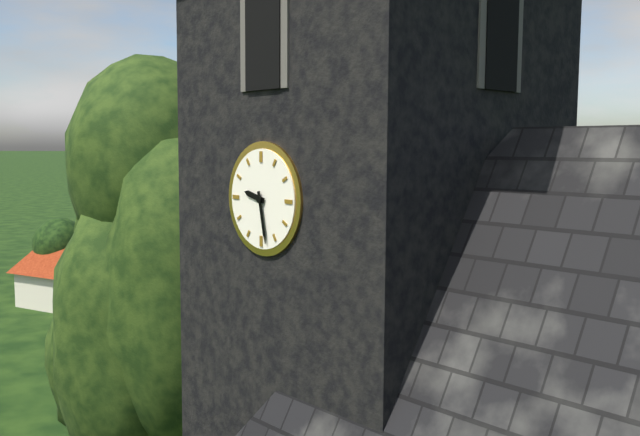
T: 9:28
